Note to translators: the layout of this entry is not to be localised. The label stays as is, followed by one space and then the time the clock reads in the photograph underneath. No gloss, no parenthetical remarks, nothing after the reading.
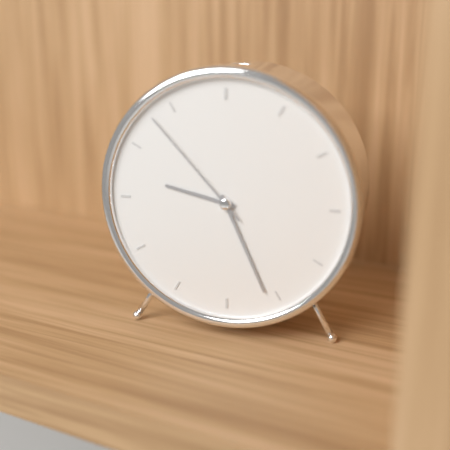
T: 9:26:53
